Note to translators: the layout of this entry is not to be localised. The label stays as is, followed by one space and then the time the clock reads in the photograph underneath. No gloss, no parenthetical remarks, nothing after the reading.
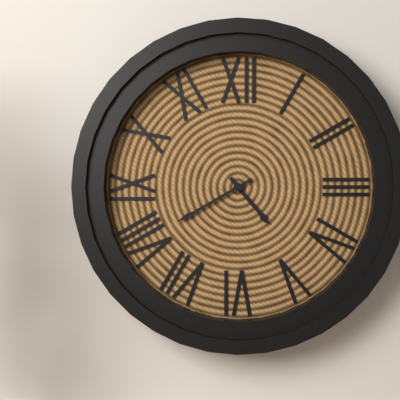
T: 4:40
